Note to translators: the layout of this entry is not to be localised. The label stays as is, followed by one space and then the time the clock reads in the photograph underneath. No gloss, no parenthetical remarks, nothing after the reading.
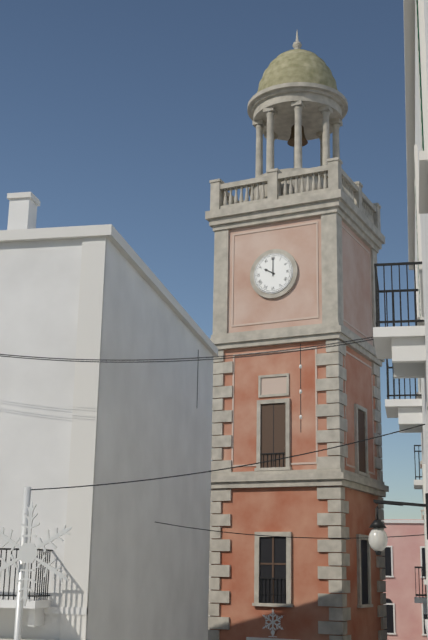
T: 10:00
